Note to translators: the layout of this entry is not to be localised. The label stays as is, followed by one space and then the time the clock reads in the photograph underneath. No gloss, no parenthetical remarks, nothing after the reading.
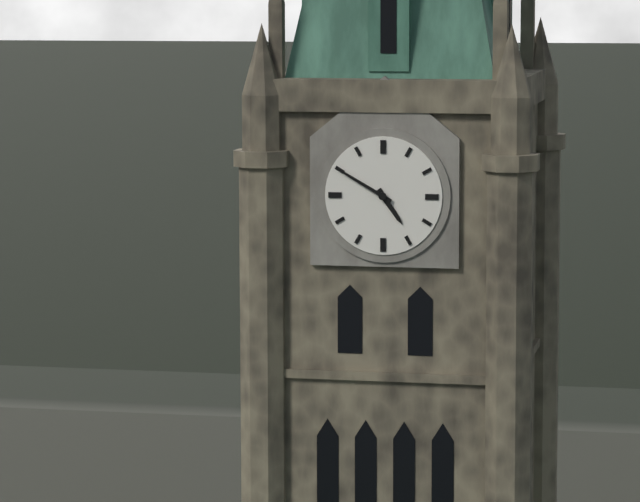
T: 4:50
